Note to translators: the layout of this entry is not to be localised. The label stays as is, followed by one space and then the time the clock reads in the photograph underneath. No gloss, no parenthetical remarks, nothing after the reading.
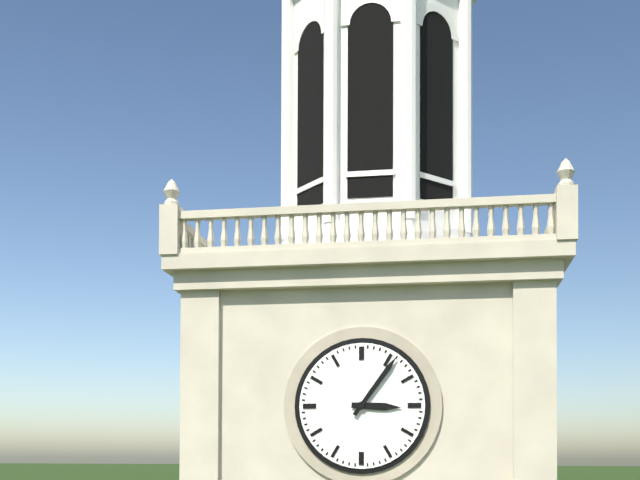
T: 3:06
